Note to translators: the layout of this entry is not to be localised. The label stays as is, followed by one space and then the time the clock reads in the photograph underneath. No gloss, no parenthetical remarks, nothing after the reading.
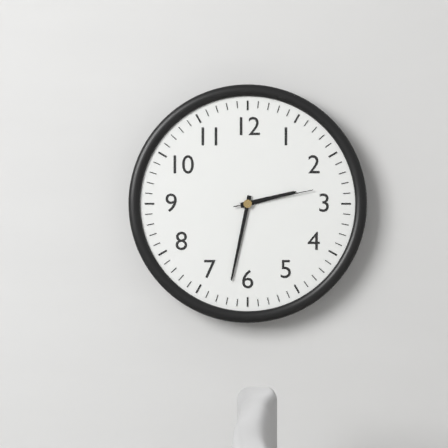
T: 2:32:13
